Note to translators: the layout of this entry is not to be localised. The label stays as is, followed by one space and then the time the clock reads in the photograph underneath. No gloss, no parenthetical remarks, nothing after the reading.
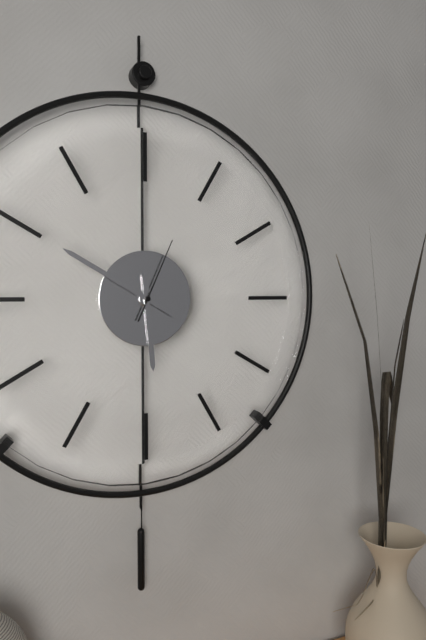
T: 5:50:04
